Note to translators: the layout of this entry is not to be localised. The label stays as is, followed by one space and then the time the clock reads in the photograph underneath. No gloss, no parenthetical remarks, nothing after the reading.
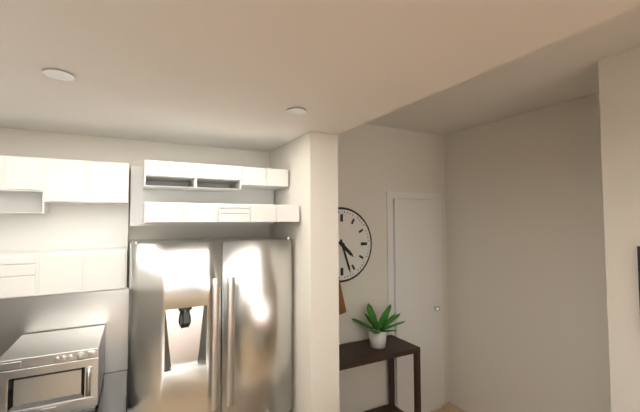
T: 4:27
